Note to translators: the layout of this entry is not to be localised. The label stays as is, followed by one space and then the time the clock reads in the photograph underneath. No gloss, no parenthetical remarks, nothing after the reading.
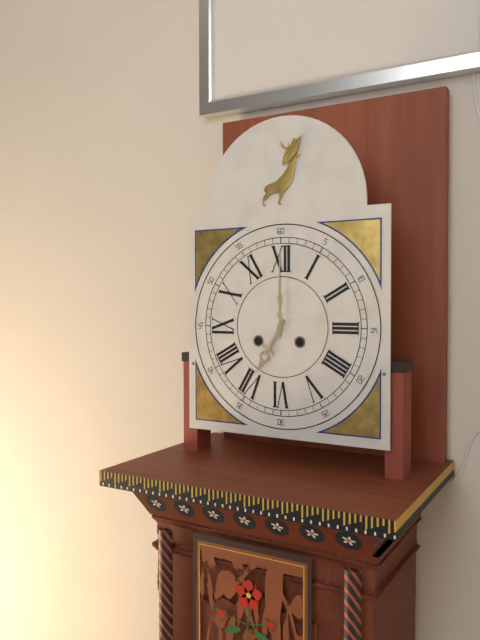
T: 7:00
